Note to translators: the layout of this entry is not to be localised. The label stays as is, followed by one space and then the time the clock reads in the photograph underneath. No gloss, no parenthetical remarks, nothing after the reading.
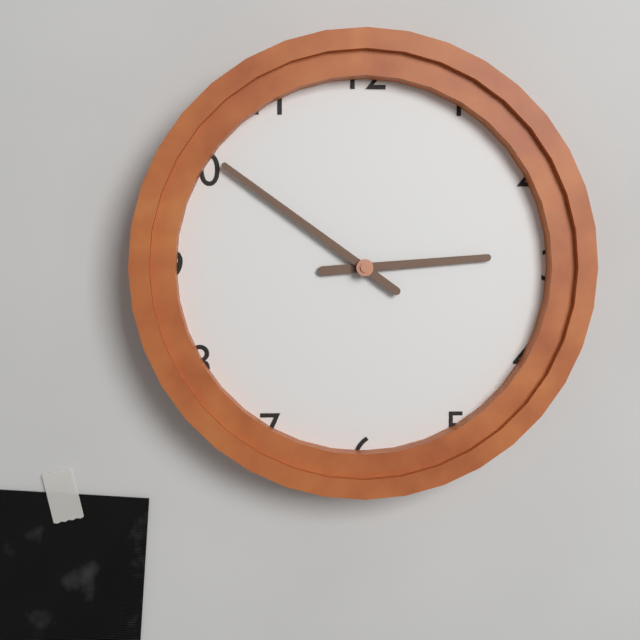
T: 2:51
